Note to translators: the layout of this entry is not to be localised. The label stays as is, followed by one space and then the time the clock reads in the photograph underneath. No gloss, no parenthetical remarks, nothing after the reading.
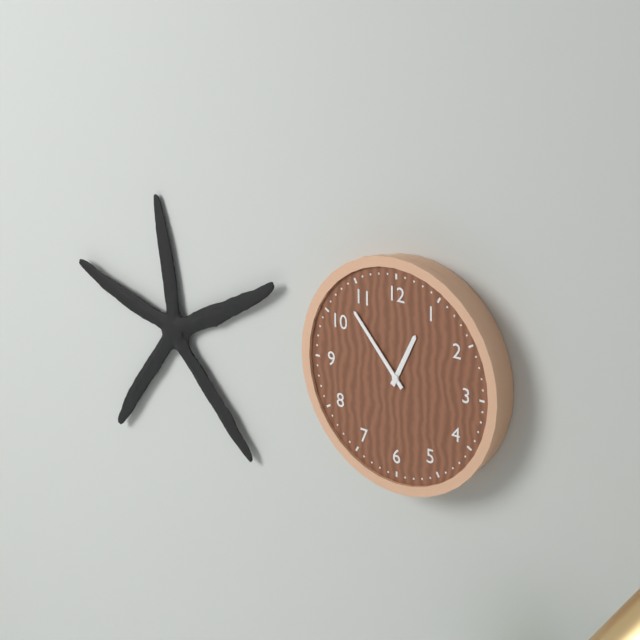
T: 12:53
